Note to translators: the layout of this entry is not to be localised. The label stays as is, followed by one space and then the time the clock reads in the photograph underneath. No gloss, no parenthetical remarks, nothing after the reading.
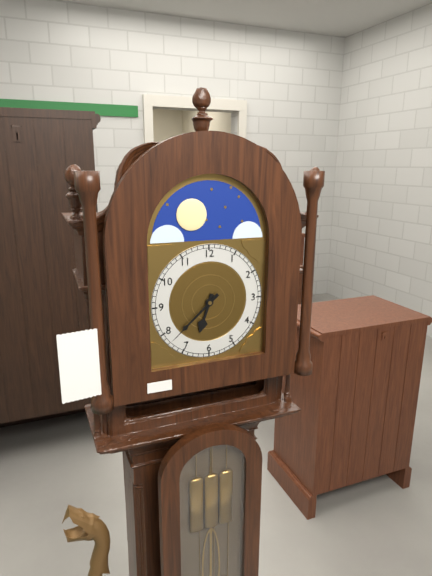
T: 6:38
